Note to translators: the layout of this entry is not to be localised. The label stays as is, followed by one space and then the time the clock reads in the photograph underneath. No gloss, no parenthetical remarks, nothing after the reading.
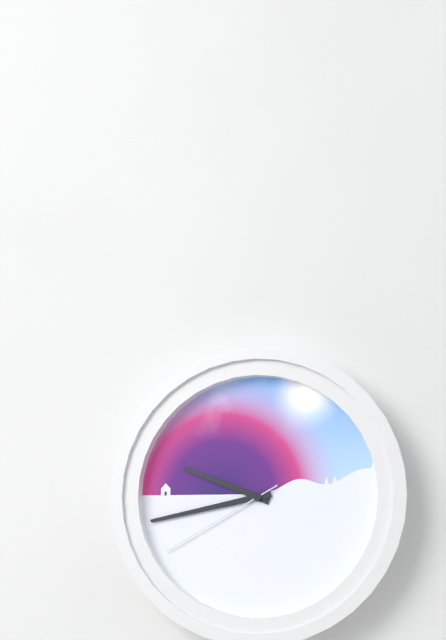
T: 9:43:40
